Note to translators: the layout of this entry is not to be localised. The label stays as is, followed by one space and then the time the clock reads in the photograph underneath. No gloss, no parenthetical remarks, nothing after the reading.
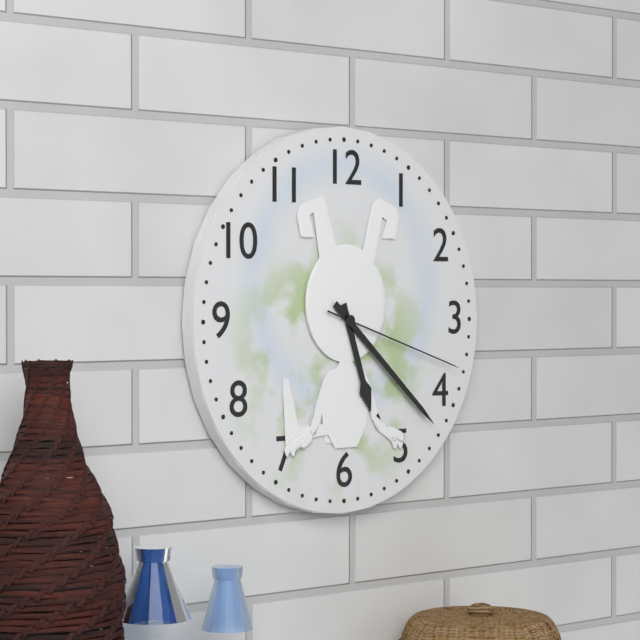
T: 5:22:18
